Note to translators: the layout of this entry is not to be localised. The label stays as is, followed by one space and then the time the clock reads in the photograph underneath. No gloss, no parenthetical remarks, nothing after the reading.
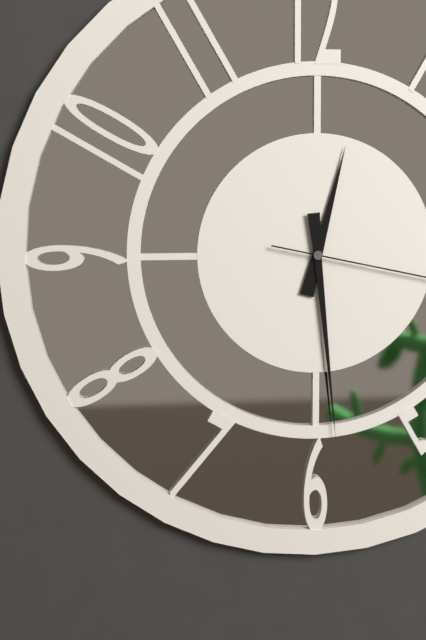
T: 12:29
